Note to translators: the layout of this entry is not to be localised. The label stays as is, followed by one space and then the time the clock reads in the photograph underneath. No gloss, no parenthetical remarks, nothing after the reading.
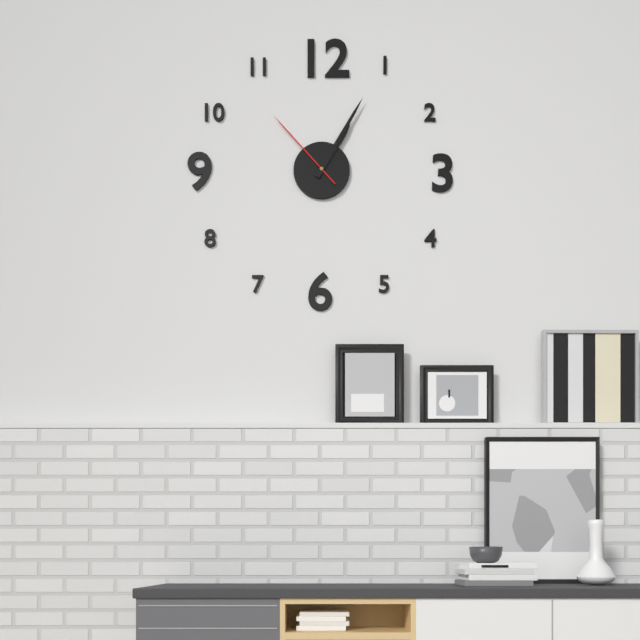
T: 1:05:53
